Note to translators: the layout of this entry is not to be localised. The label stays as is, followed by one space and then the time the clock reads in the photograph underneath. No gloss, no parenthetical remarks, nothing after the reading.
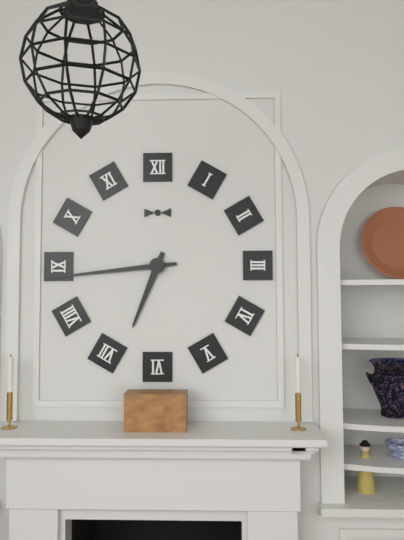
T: 6:44
